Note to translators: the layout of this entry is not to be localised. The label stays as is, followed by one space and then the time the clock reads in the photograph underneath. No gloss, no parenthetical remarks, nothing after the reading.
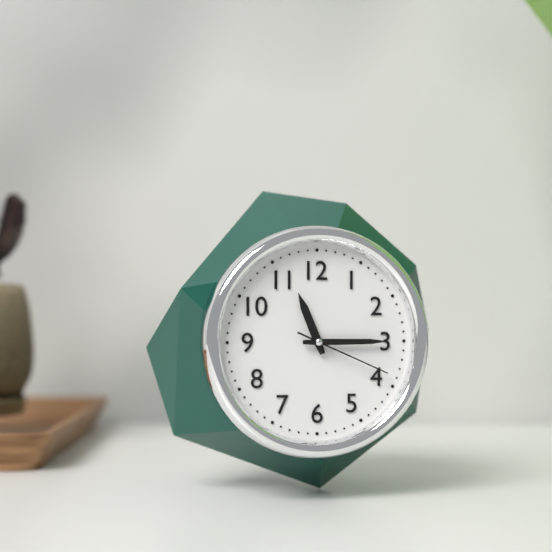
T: 11:15:19
